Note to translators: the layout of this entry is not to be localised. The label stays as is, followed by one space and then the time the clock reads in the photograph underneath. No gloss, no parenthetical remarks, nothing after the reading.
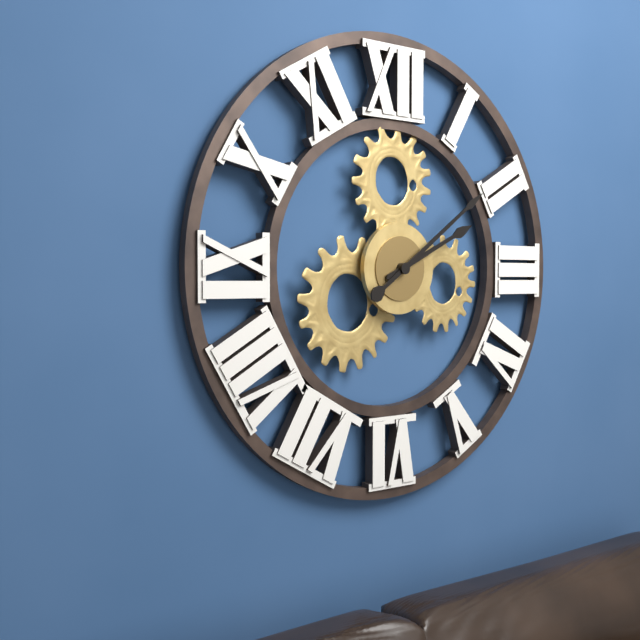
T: 2:09
